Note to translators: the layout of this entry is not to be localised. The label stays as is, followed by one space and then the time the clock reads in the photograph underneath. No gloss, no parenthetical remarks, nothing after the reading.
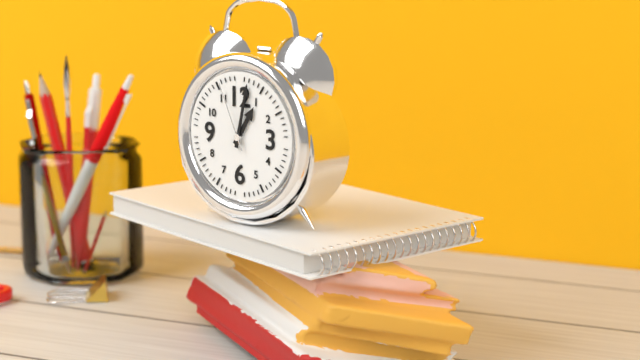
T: 1:02:56
